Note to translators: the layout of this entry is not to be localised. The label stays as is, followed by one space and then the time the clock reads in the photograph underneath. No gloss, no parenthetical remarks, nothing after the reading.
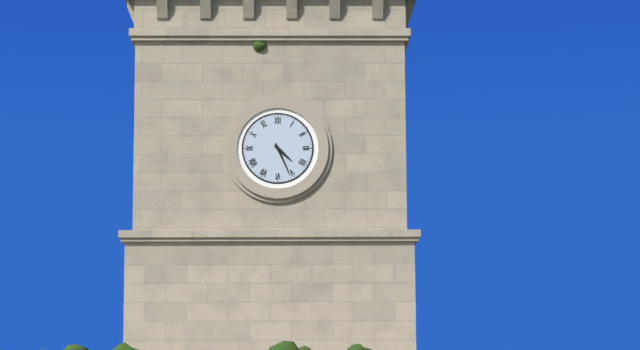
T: 4:26
